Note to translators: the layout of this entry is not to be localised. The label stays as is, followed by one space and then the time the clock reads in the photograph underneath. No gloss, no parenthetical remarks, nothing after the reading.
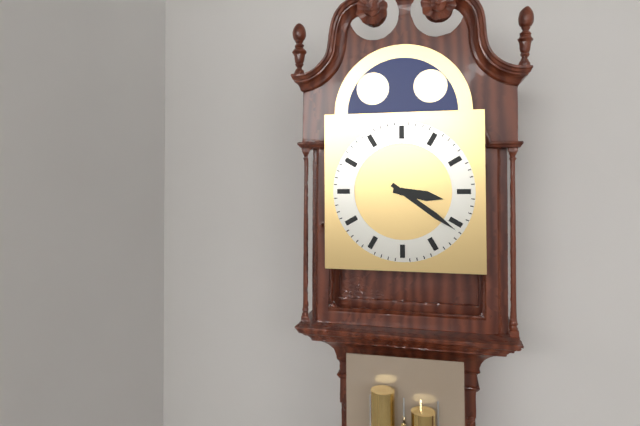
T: 3:21
